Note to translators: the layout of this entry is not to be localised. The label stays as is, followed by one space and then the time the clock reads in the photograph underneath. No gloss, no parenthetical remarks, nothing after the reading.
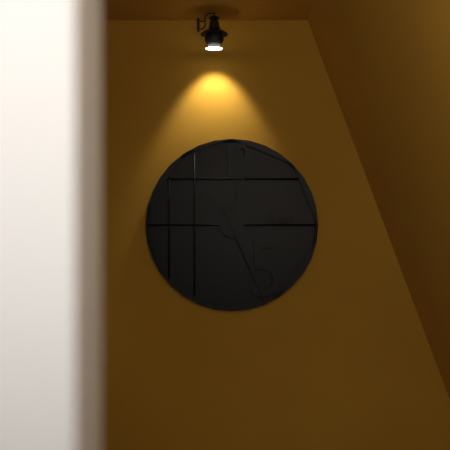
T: 12:26
